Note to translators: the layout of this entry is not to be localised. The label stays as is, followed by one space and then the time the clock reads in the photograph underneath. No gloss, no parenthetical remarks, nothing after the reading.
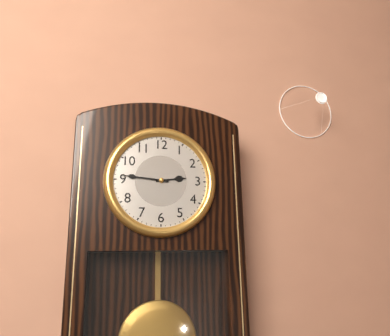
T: 2:46
